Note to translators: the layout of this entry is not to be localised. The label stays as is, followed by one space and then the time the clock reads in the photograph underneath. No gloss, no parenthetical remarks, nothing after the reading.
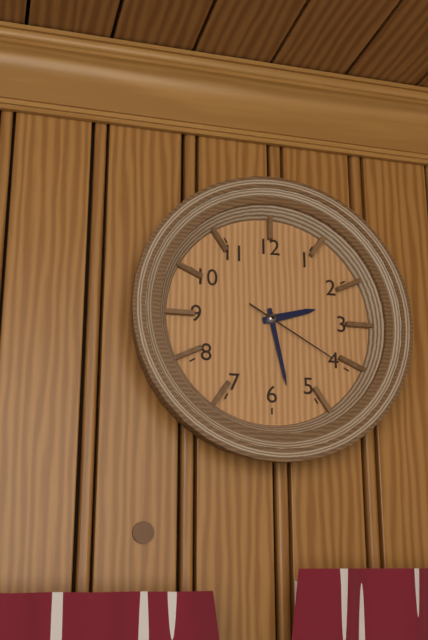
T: 2:28:20
